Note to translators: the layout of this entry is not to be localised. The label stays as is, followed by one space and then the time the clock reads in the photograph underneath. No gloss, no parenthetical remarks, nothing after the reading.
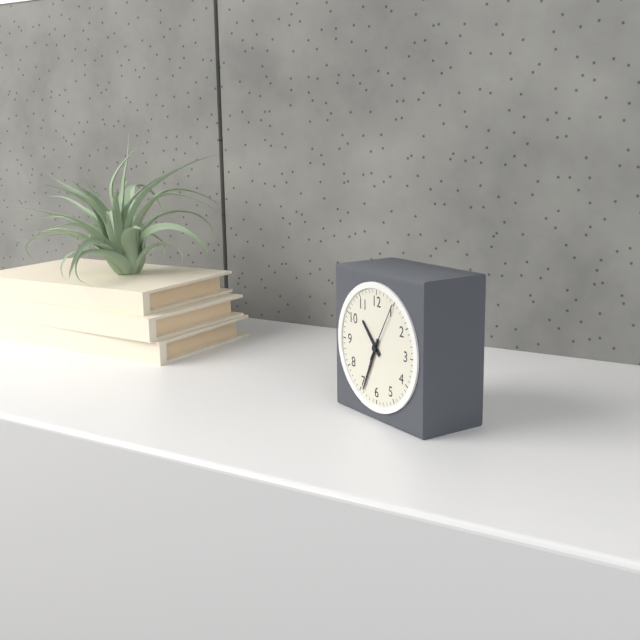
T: 10:34:05
